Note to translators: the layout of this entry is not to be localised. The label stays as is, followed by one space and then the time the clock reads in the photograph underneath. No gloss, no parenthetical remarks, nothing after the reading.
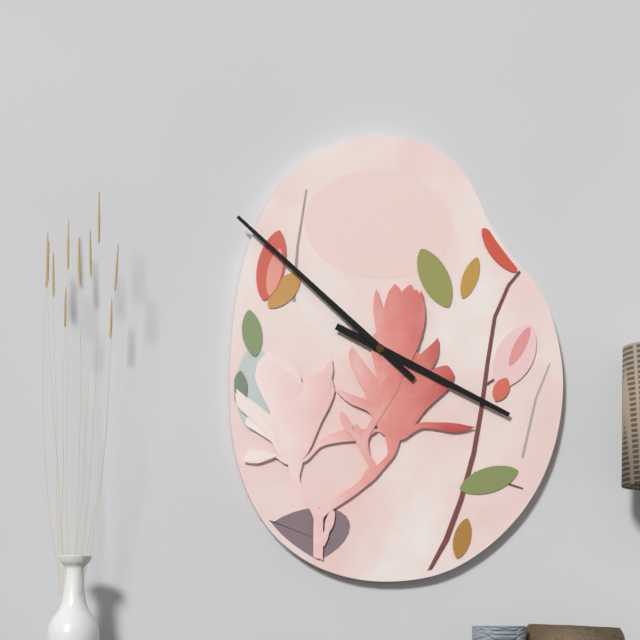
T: 3:52
